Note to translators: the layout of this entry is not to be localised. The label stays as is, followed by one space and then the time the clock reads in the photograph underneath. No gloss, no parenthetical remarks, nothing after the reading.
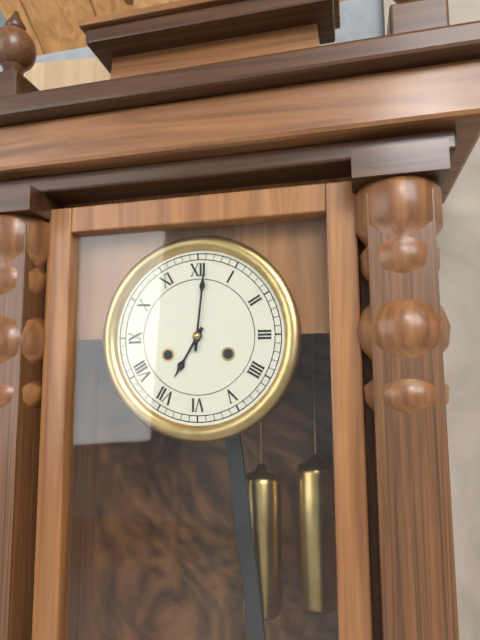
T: 7:01
